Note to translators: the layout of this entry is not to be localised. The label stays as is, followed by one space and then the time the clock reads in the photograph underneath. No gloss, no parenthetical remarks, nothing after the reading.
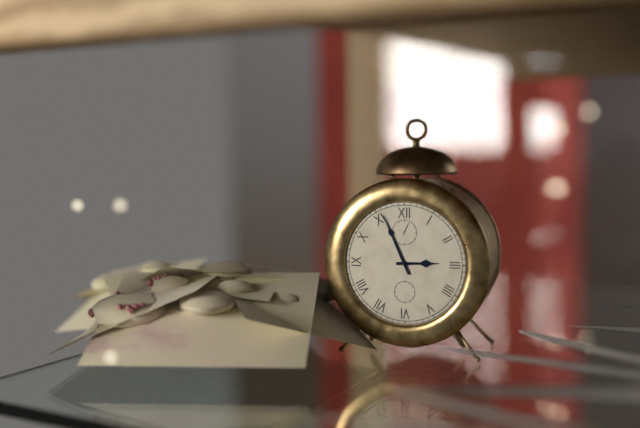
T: 2:56
